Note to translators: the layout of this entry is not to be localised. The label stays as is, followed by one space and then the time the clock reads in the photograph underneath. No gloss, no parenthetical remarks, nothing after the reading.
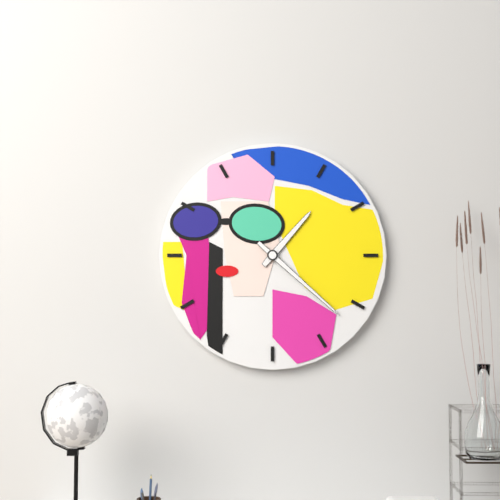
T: 1:22
